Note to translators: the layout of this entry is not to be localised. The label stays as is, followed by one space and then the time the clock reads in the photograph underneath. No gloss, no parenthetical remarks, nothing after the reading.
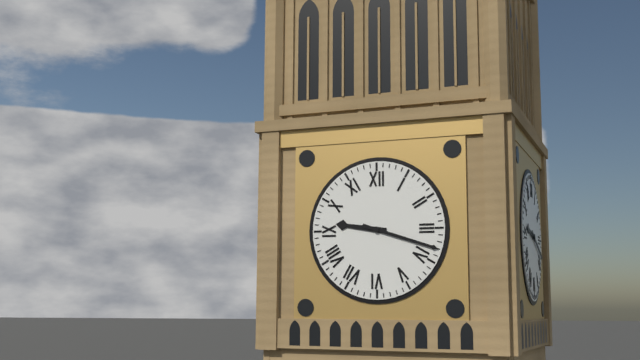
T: 9:18
